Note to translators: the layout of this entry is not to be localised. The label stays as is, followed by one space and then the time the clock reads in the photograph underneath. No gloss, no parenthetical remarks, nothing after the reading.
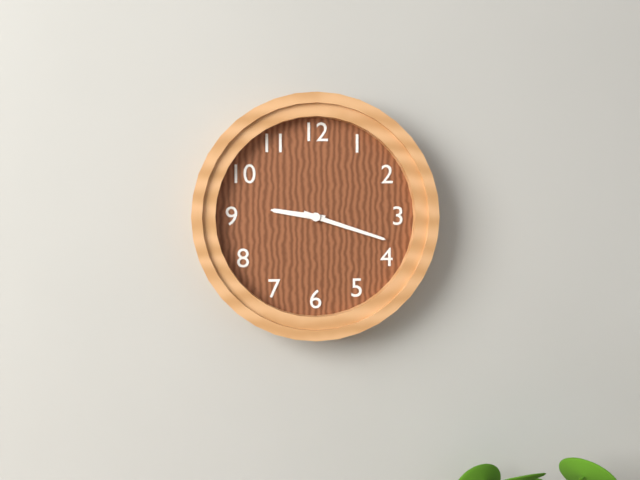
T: 9:18
